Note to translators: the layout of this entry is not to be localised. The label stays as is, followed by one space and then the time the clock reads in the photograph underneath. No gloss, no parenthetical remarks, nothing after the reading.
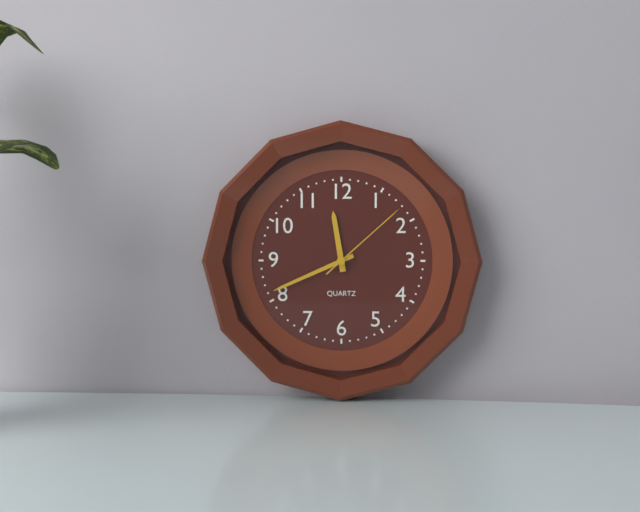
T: 11:41:08
